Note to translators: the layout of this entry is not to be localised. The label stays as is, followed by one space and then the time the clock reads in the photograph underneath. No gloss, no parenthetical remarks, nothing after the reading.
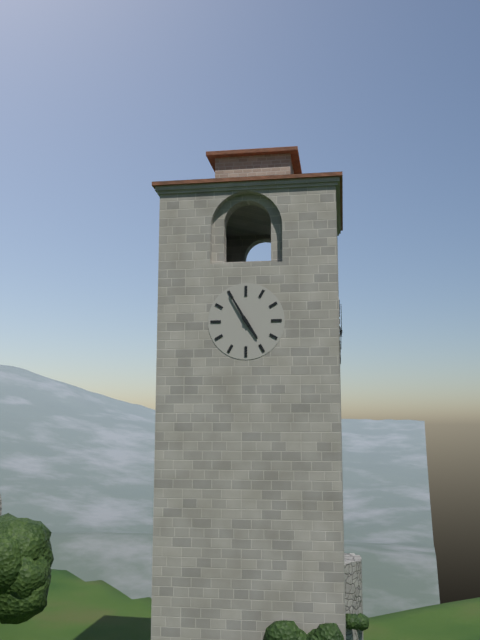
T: 4:55
